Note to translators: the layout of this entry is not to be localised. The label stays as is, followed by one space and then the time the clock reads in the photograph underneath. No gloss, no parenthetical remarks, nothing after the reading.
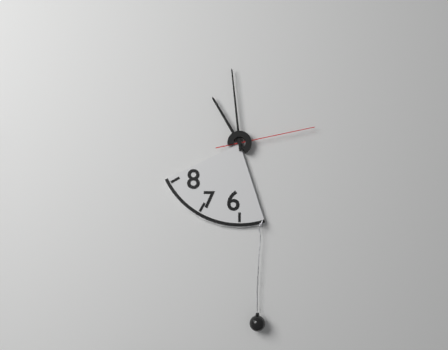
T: 10:59:13
